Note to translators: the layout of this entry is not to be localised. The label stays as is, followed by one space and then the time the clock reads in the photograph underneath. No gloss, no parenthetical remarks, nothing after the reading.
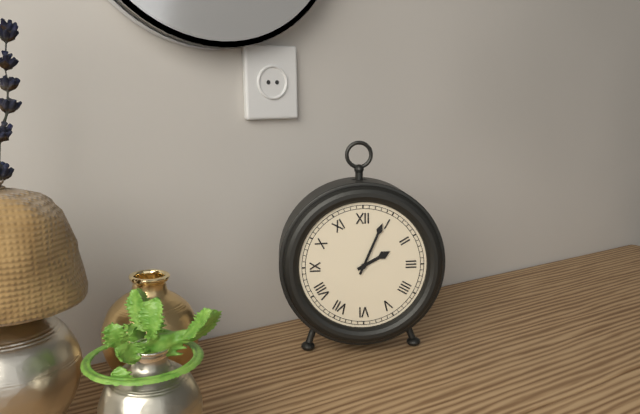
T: 2:04
